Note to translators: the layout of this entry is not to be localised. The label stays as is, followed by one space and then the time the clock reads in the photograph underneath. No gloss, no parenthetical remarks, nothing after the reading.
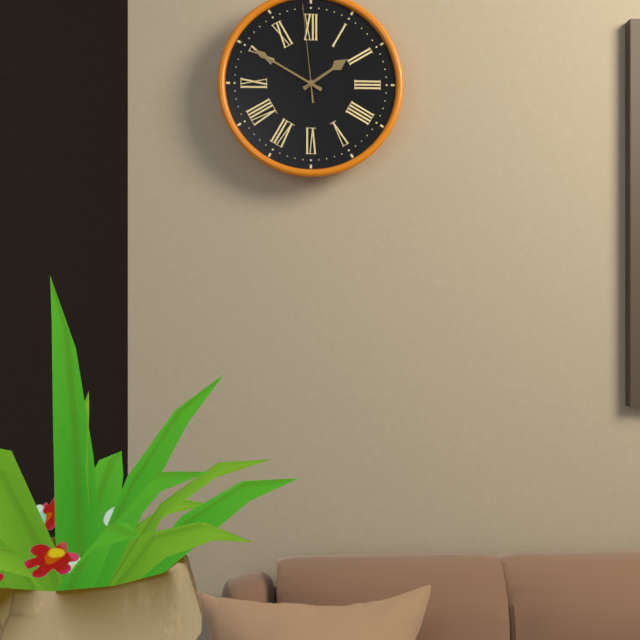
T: 1:50:59
